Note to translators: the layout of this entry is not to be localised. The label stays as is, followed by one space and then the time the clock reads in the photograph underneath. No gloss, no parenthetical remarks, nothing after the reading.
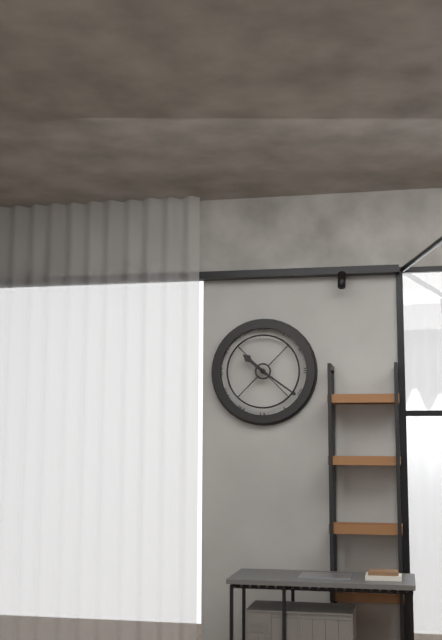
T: 10:21
